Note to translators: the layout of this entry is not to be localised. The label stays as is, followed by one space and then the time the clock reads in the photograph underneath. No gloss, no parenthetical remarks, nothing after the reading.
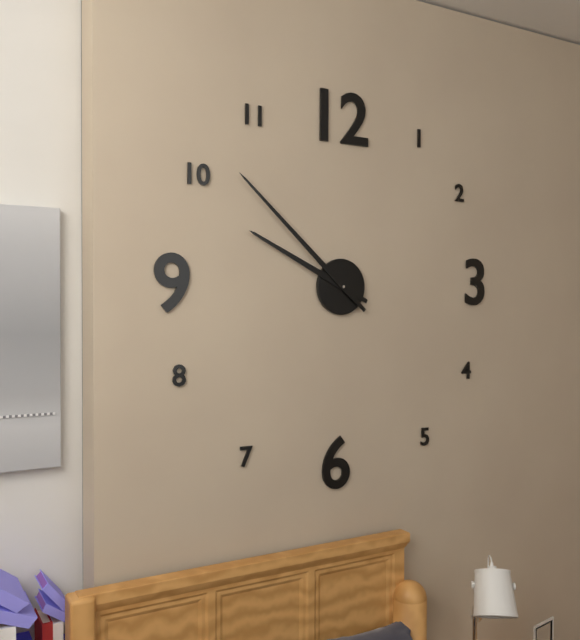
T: 9:52
